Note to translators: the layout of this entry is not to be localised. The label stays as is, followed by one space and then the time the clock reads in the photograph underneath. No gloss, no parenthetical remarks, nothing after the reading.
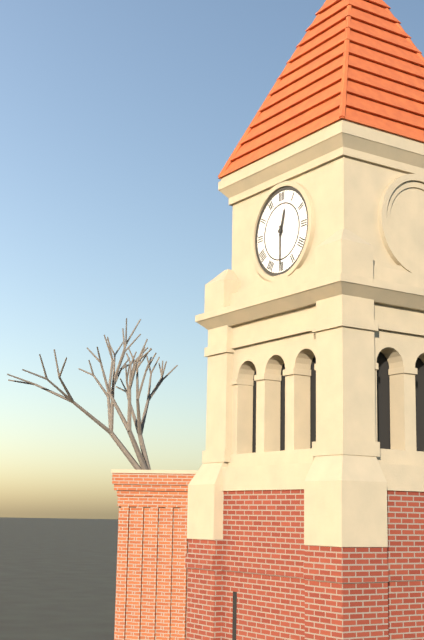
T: 12:30
